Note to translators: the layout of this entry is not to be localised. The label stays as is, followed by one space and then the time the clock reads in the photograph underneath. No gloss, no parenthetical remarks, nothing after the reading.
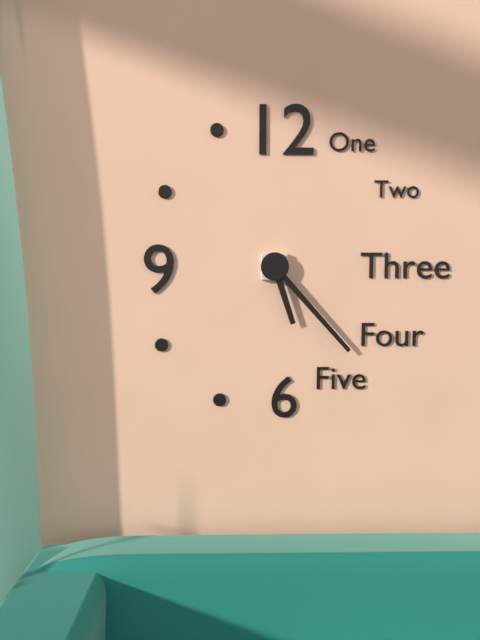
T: 5:23
